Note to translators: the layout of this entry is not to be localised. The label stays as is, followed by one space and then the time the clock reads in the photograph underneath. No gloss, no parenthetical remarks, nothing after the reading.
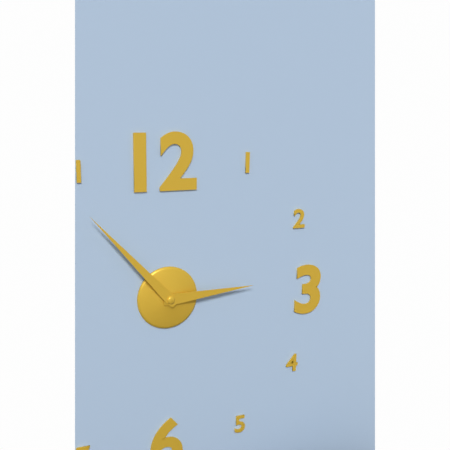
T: 2:53
